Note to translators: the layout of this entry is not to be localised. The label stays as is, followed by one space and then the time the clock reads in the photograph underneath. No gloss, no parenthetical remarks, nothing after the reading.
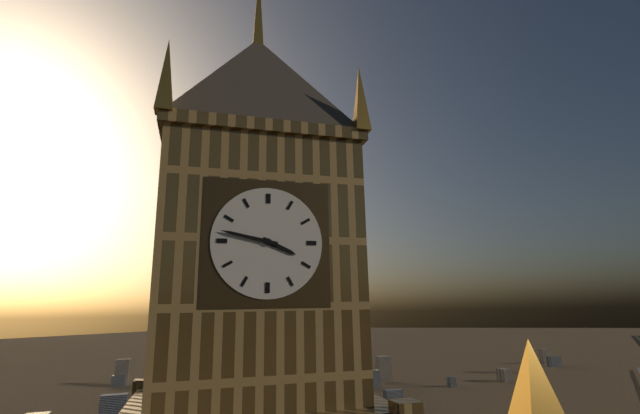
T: 3:47
